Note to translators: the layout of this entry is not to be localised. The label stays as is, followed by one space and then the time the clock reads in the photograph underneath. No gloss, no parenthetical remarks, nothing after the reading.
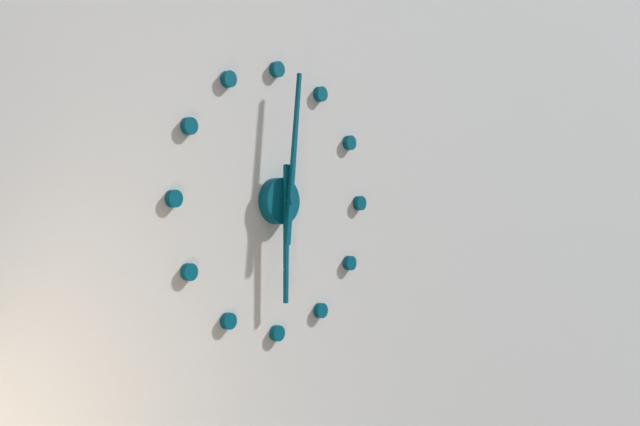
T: 6:01
